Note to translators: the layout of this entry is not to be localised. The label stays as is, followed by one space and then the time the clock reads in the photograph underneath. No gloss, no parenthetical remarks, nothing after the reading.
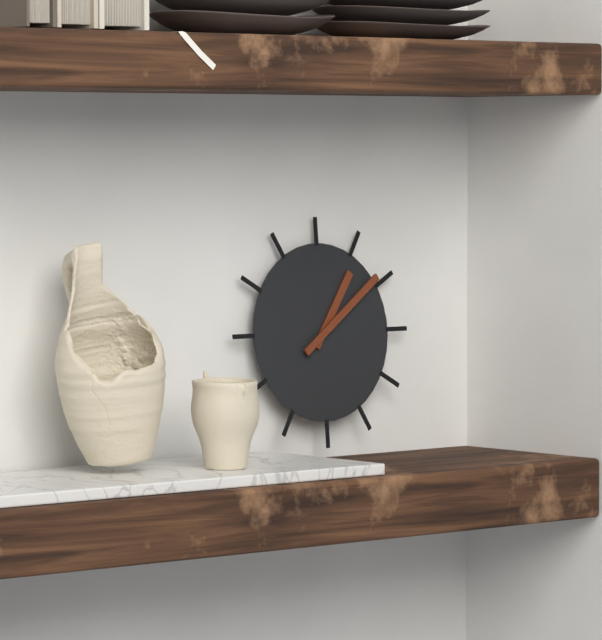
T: 1:09
